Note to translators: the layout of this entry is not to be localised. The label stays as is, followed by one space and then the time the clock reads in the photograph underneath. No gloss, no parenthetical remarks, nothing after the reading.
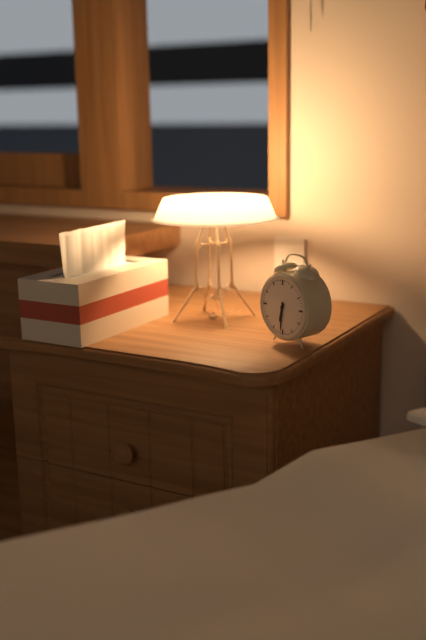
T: 6:31
